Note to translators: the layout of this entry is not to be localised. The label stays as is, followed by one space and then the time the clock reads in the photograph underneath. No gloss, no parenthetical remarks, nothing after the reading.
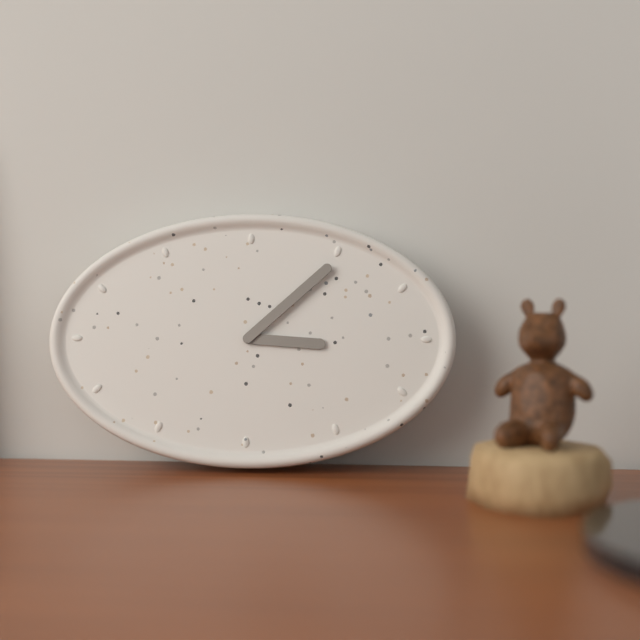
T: 3:08
